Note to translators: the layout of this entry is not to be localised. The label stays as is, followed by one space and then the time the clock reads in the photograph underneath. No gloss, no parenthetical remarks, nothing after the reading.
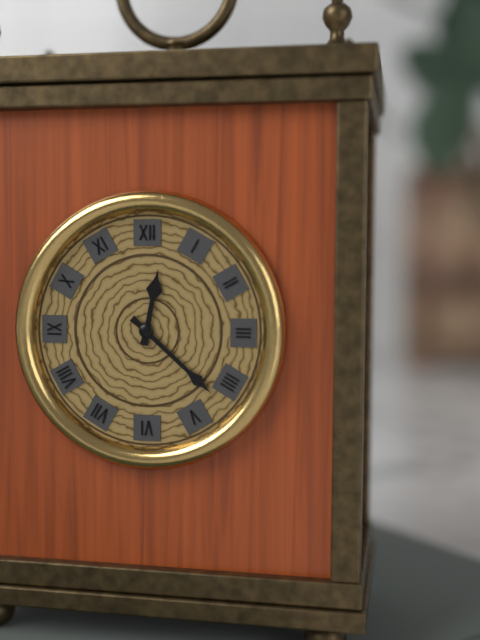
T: 12:22
